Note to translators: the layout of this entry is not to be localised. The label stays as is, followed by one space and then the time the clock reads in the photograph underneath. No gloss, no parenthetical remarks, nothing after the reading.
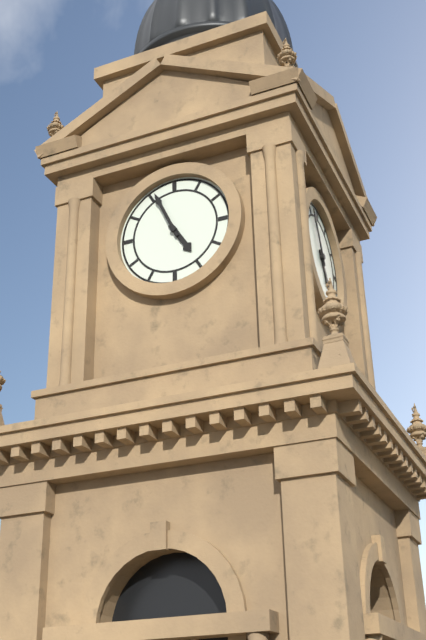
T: 4:56
